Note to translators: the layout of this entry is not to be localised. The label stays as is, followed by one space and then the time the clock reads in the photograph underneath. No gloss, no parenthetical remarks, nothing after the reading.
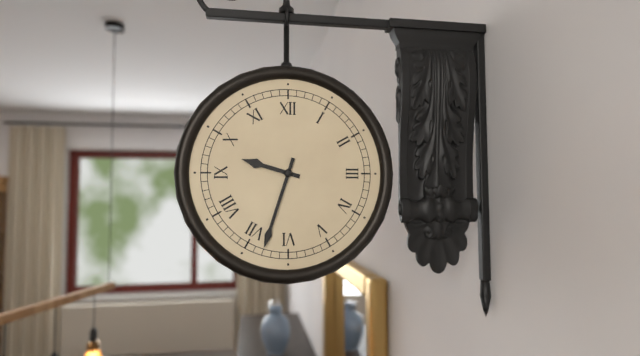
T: 9:33
